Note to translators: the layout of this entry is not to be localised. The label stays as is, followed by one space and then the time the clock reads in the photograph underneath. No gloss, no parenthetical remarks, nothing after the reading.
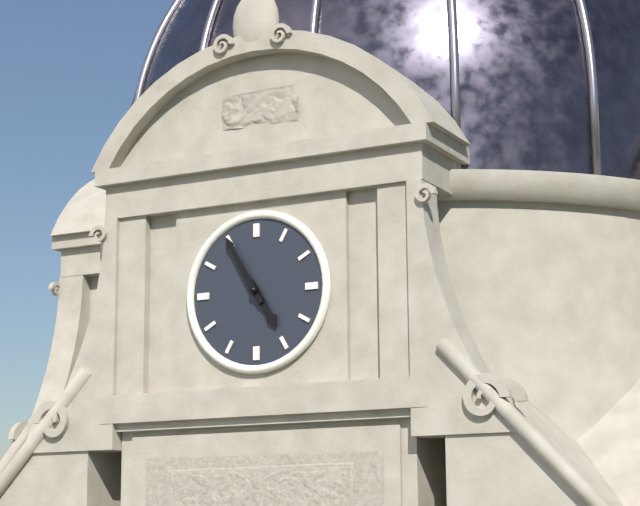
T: 4:55
